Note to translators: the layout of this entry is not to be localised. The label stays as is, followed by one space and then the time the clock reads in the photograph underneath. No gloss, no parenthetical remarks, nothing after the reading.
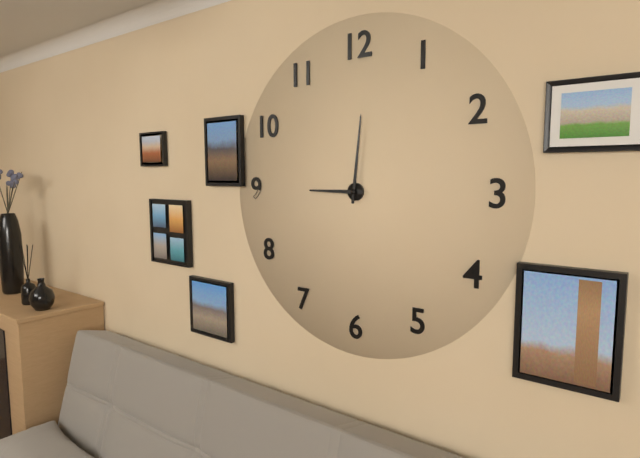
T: 9:01
